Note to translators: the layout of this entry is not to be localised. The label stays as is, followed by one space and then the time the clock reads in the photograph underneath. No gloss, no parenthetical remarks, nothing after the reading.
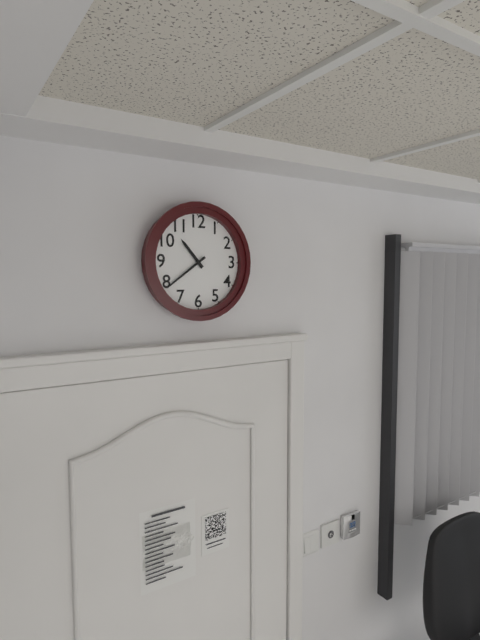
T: 10:39
